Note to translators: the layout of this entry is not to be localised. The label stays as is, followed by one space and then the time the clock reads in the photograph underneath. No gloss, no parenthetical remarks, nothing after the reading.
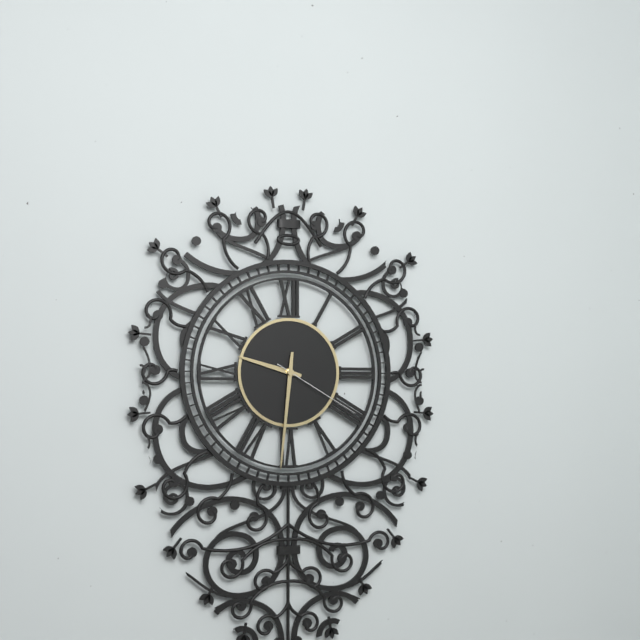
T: 9:31:20
